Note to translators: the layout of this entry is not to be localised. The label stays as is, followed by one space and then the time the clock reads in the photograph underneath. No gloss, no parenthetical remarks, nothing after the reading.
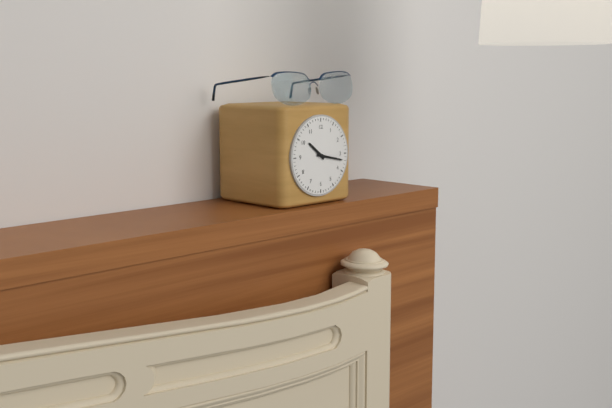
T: 10:17
